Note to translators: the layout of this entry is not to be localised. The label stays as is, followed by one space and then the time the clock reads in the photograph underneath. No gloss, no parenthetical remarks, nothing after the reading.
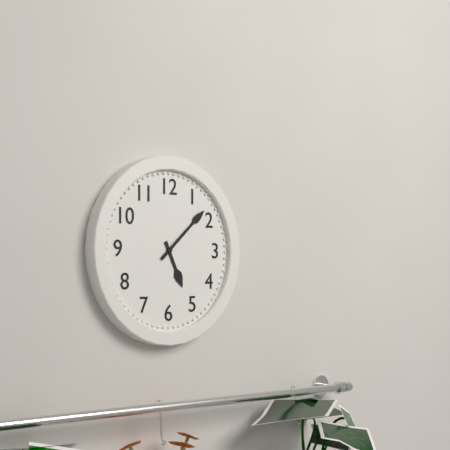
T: 5:08
